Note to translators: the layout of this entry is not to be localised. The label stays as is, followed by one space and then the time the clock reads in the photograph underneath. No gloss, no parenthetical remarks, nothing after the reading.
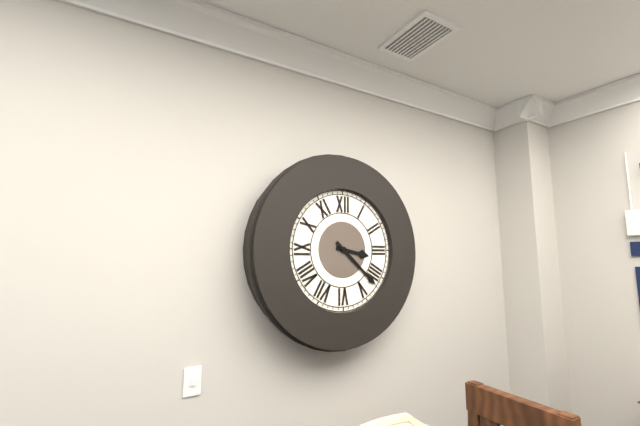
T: 3:22
